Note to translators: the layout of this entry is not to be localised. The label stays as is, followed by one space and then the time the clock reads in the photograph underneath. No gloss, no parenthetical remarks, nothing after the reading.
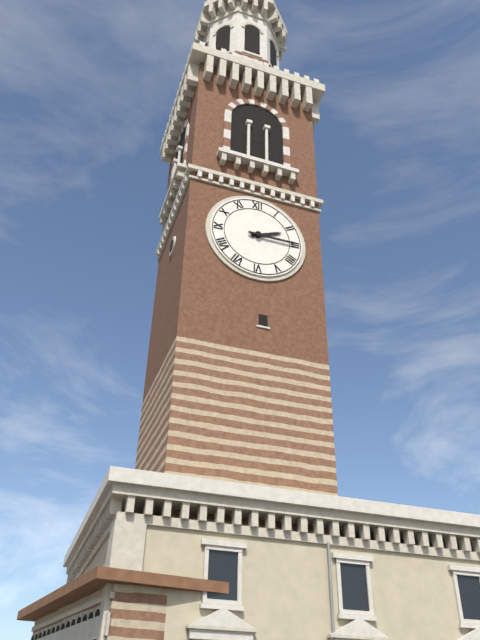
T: 2:15
